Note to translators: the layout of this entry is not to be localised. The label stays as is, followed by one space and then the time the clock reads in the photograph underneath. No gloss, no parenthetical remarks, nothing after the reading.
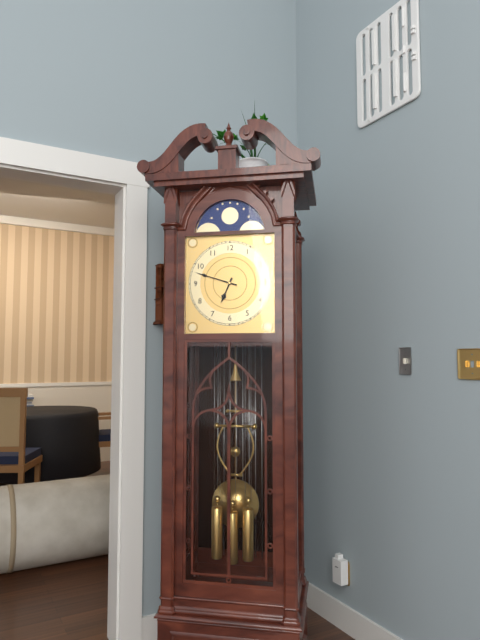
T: 6:48
